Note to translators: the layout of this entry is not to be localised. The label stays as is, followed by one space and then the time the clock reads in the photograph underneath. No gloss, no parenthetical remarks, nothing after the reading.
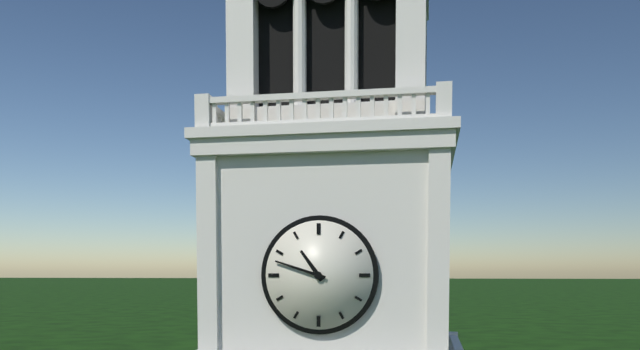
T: 10:48
